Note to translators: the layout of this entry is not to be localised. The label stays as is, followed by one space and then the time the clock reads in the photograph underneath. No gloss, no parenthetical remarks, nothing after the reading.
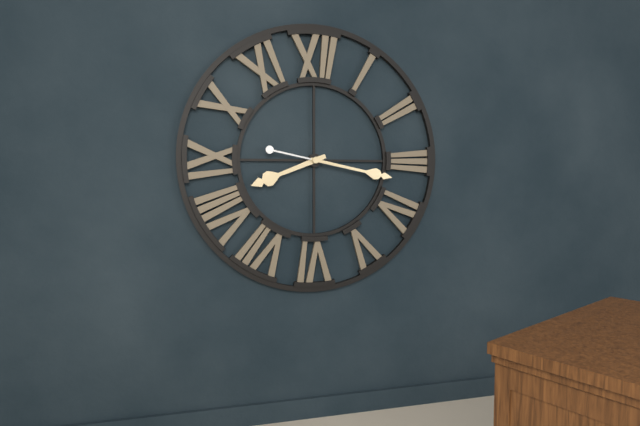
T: 8:17
